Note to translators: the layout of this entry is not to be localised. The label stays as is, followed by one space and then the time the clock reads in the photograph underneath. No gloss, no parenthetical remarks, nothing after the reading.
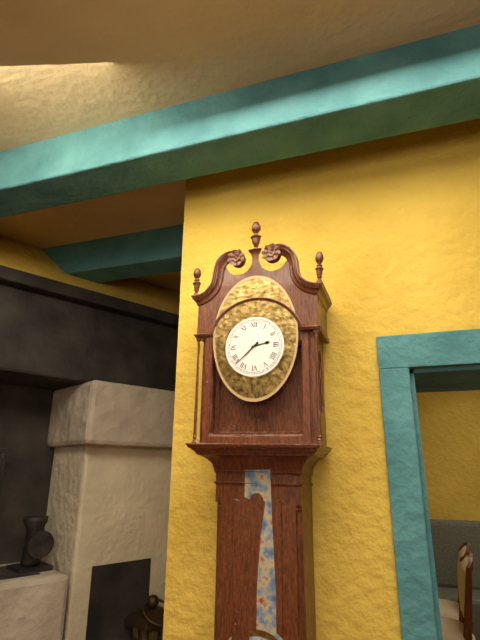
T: 2:38
